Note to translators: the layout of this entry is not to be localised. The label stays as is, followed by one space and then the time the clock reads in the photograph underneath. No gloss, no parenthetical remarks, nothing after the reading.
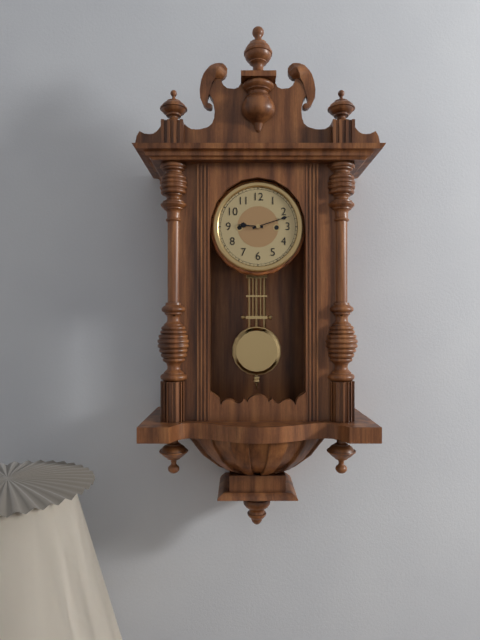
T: 9:12
